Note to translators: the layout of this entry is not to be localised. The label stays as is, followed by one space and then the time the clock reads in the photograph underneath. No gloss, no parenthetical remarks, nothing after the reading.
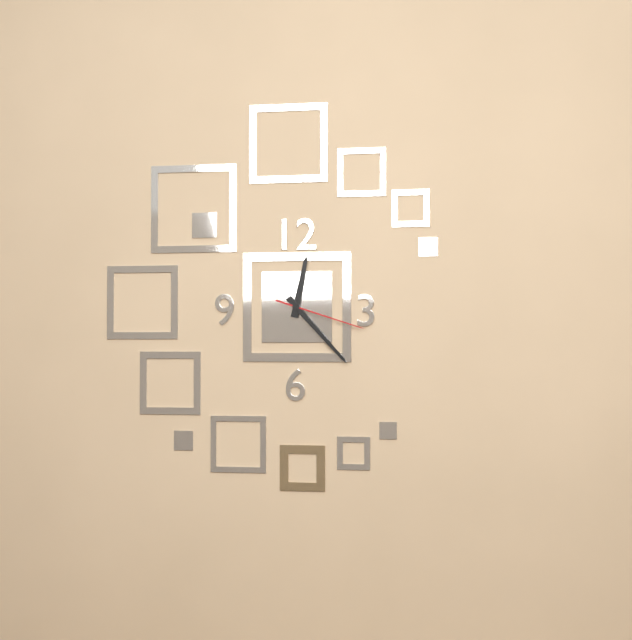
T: 12:23:18
